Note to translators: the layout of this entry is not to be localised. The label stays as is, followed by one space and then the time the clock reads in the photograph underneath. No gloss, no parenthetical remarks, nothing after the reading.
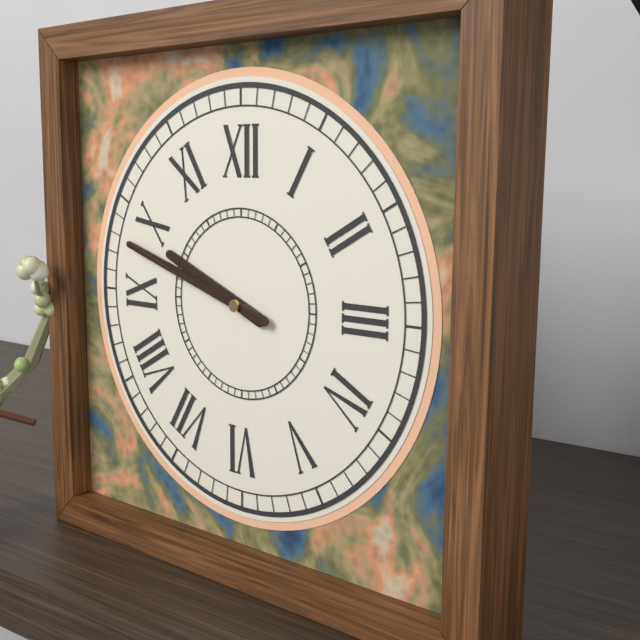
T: 9:48
